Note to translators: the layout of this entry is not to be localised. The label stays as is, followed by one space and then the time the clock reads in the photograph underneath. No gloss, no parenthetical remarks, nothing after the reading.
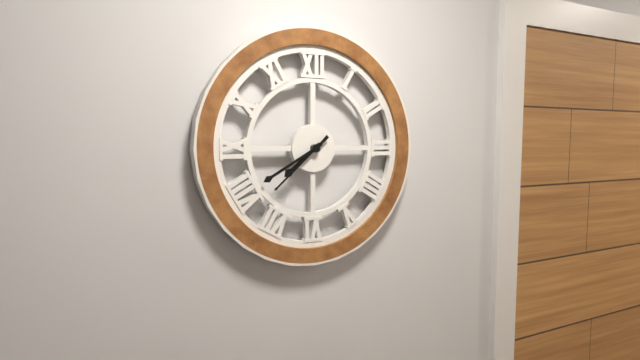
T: 7:40:38
